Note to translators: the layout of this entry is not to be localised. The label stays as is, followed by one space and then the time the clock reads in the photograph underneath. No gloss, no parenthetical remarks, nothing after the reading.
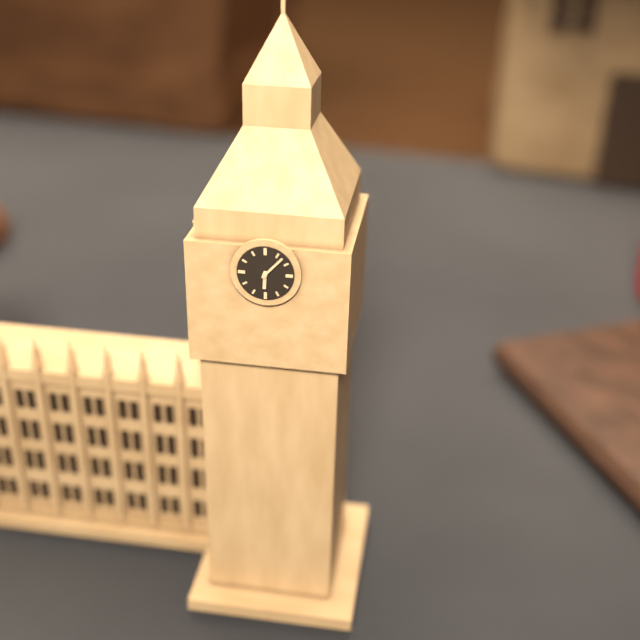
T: 6:07
